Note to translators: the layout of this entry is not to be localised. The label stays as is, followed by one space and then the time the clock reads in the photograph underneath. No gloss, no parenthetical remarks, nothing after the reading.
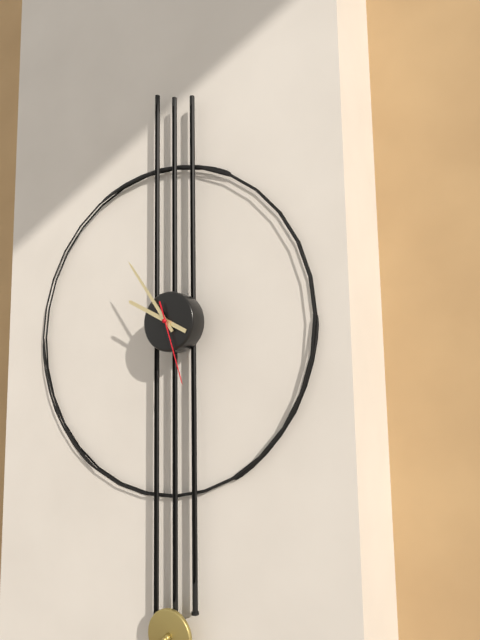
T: 9:54:27
